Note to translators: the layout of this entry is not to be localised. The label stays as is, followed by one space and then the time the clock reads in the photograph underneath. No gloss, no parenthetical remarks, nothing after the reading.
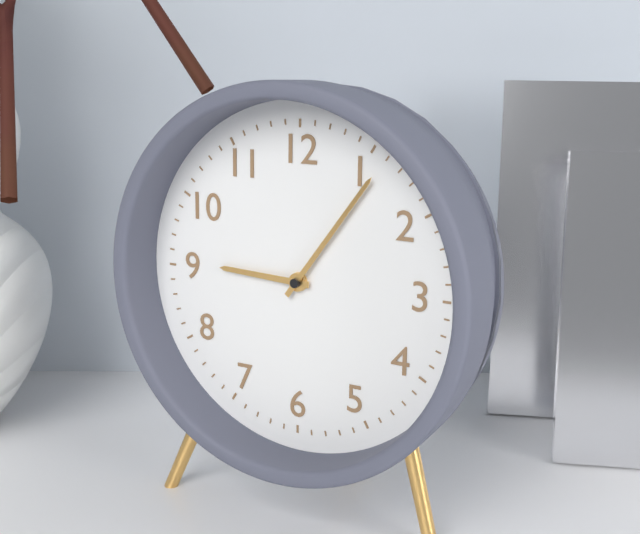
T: 9:06
